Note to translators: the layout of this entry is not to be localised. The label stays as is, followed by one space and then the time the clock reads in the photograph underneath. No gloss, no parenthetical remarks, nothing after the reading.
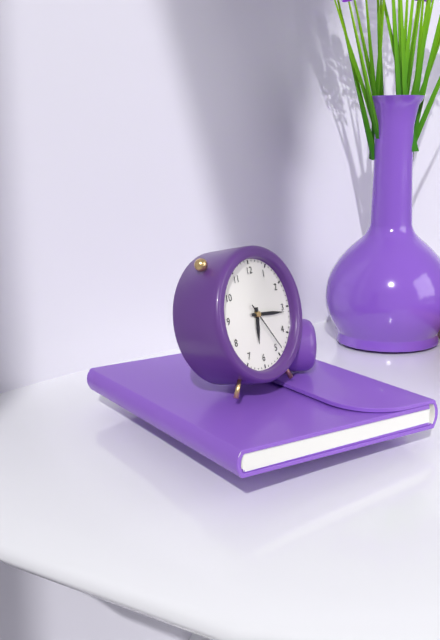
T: 6:16:24
